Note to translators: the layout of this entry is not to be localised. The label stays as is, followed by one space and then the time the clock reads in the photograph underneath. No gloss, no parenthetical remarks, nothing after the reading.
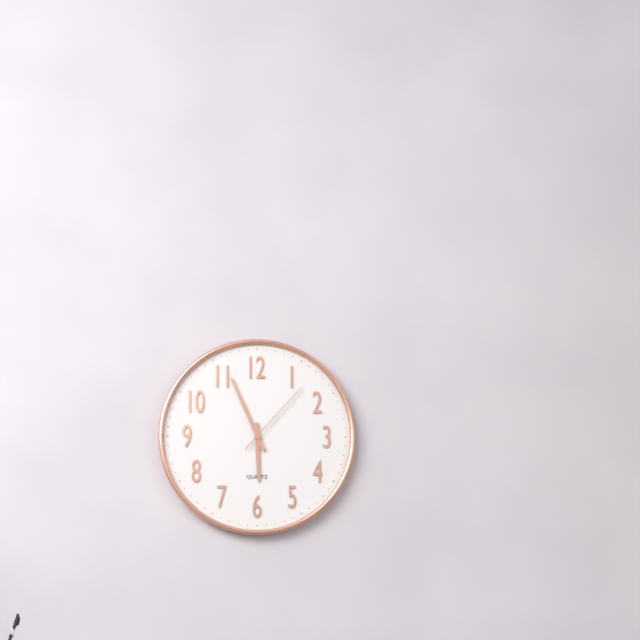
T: 5:56:07
